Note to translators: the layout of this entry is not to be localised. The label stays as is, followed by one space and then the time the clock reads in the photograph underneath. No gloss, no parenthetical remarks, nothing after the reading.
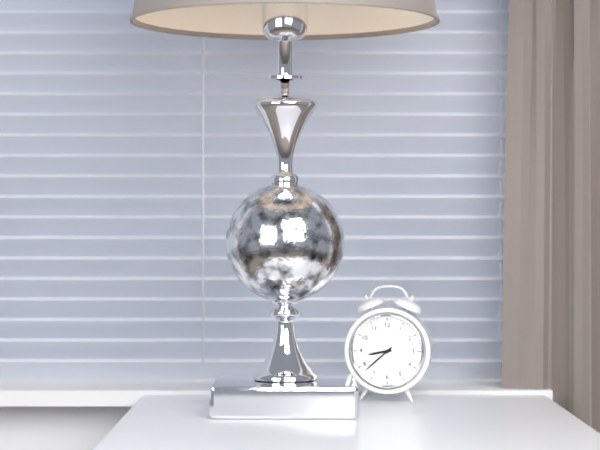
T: 8:38
